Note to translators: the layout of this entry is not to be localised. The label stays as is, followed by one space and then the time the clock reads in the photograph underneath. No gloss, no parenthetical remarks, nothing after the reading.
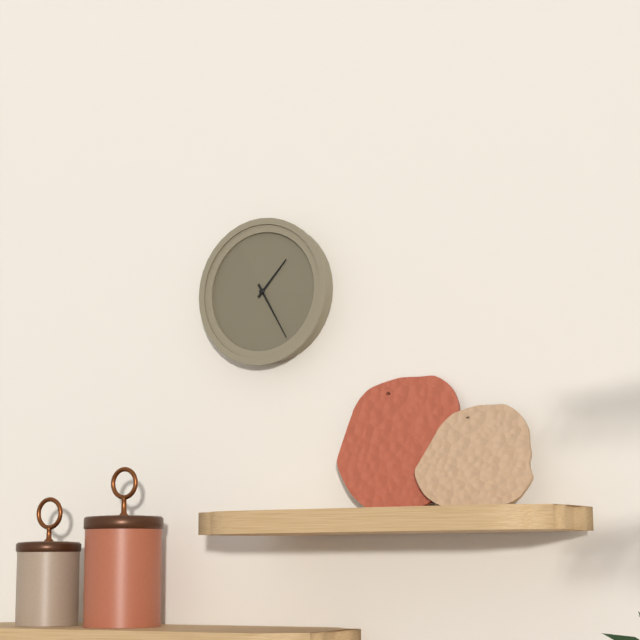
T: 1:25
